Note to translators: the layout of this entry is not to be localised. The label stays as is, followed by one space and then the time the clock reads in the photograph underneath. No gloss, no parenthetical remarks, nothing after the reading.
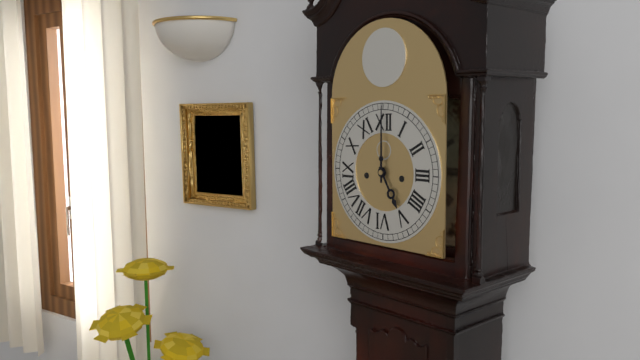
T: 5:00
